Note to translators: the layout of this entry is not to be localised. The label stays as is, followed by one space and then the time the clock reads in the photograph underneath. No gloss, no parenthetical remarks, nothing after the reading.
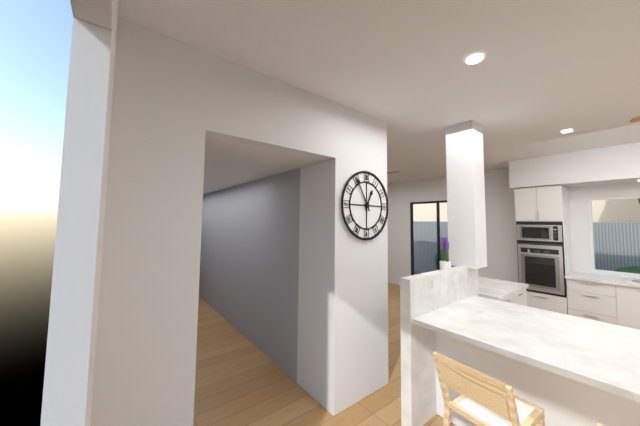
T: 12:55
